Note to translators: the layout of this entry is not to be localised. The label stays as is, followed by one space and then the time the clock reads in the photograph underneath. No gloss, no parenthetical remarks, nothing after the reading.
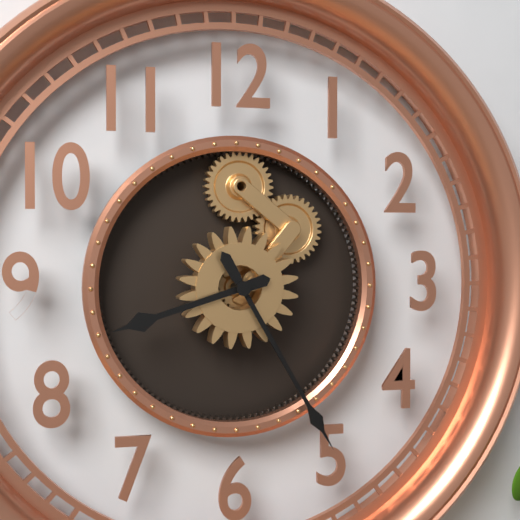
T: 8:25
